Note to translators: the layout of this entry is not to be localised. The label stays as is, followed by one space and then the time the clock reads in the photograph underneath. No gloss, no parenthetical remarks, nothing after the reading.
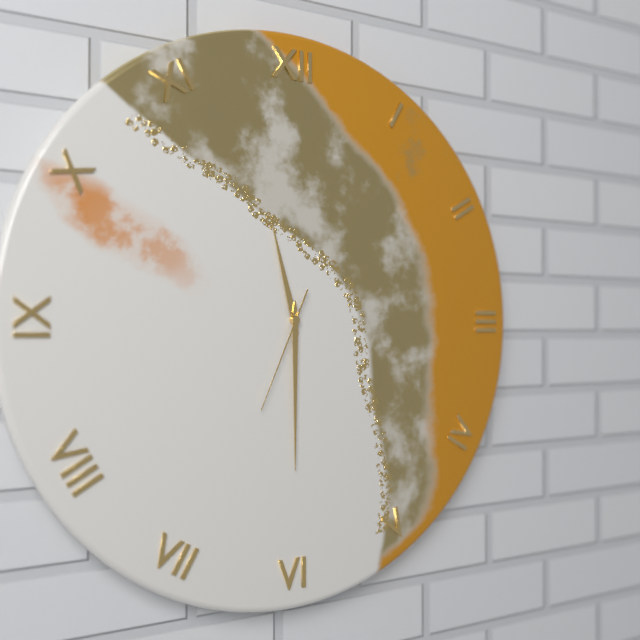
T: 11:30:34
